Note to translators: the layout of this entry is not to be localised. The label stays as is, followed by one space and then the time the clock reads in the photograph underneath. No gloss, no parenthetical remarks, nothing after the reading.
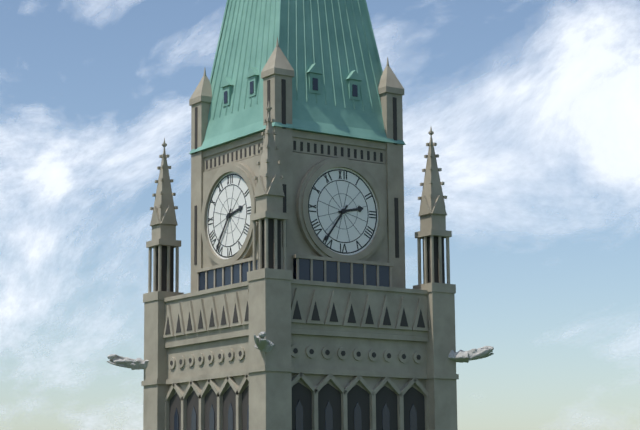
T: 2:36
